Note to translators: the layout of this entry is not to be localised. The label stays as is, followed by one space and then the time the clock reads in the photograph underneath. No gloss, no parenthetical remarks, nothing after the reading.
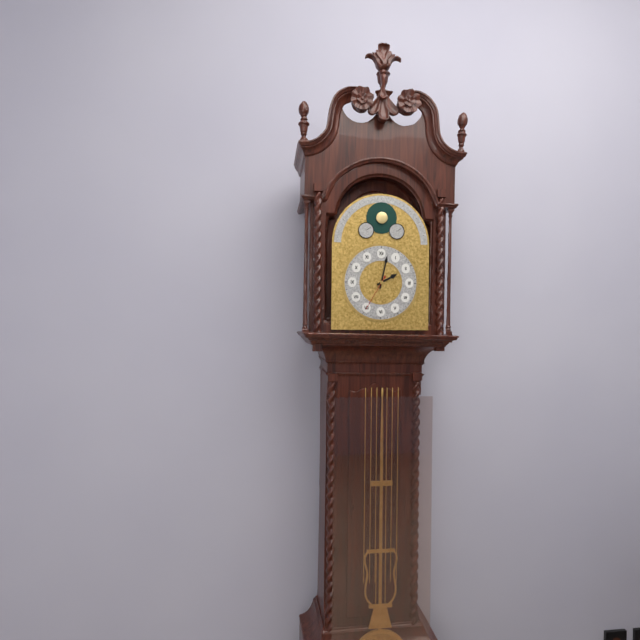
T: 2:02
